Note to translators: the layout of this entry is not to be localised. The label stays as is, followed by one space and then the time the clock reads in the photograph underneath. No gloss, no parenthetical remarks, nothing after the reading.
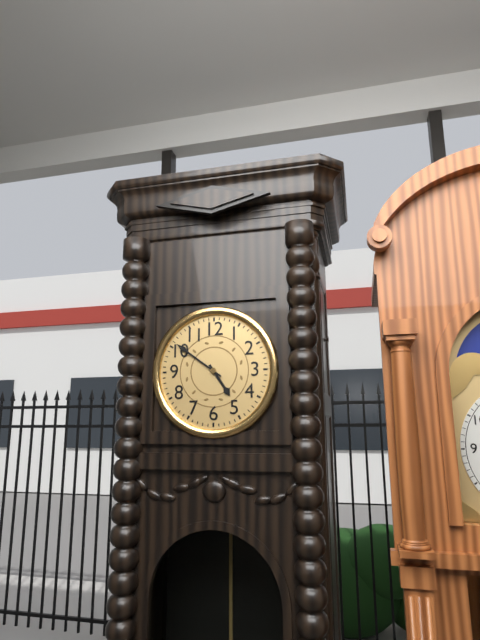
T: 4:51
